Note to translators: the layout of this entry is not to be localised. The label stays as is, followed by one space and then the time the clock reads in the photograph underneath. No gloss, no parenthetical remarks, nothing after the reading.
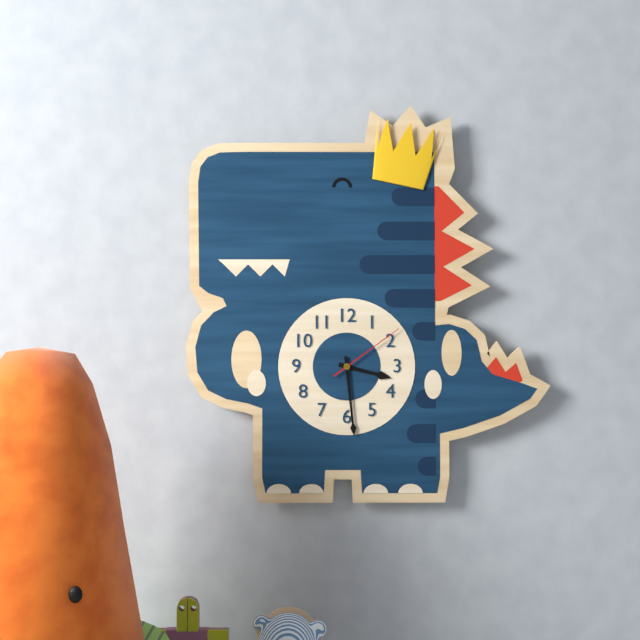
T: 3:29:09
